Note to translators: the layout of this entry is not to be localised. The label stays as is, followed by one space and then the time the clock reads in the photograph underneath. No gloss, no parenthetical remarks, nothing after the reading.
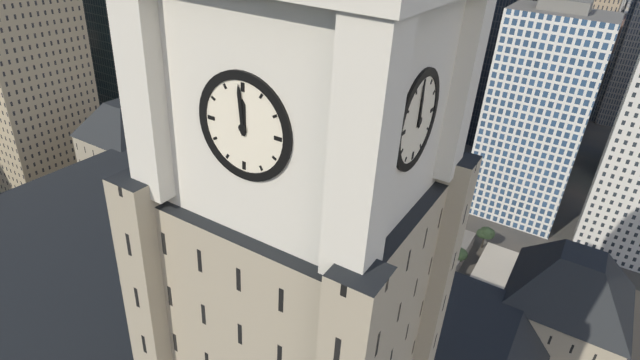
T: 11:59
